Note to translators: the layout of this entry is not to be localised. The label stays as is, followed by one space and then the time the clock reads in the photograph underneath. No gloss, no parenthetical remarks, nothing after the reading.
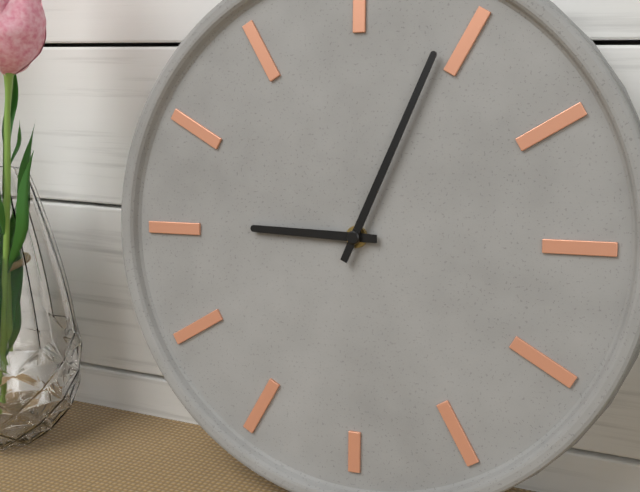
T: 9:04
